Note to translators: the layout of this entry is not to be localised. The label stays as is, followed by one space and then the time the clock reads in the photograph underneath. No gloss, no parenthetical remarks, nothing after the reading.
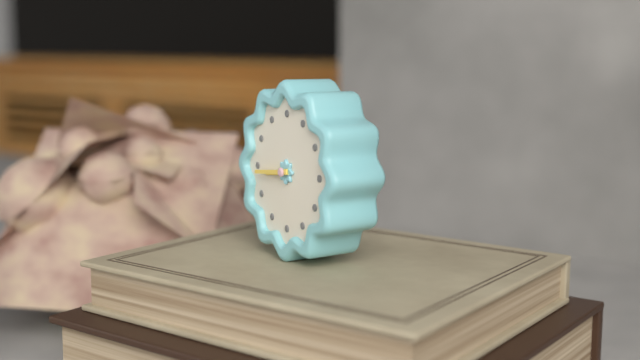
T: 8:44
